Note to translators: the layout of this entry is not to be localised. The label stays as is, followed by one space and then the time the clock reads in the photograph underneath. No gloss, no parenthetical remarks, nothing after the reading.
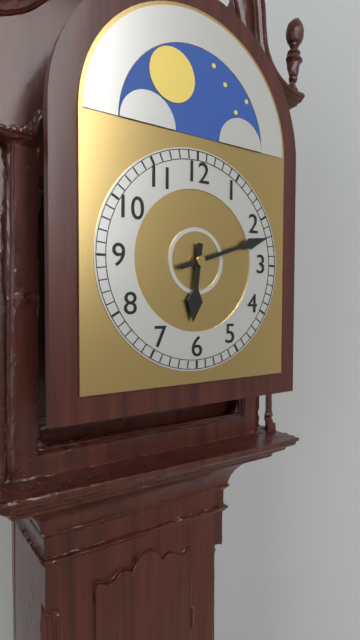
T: 6:12
